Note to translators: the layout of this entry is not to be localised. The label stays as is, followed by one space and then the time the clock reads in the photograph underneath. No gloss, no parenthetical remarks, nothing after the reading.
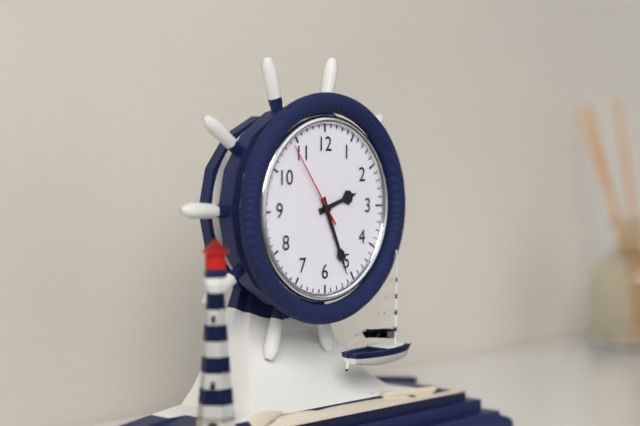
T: 2:26:54
